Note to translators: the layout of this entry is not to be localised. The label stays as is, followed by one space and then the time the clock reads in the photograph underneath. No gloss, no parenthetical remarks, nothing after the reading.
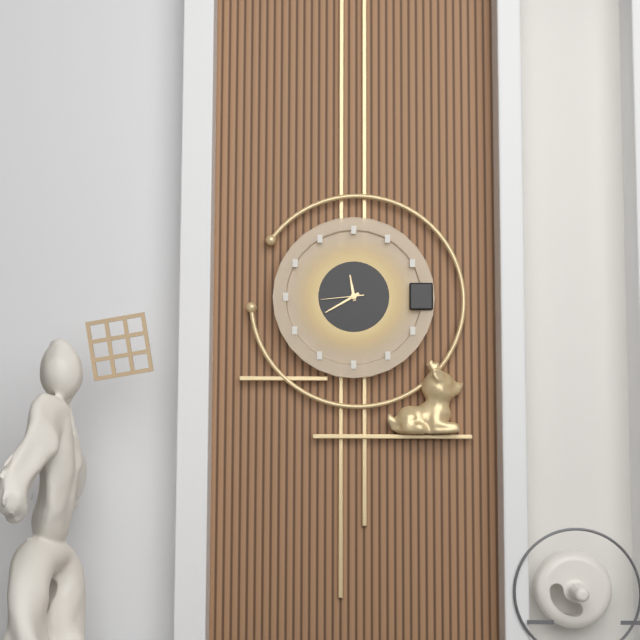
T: 11:40
